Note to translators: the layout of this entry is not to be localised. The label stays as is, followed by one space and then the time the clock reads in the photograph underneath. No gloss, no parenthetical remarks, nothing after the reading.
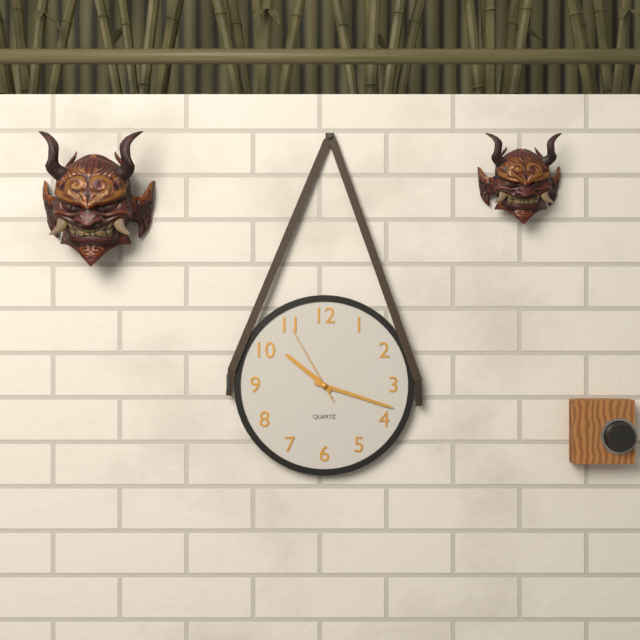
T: 10:18:55
